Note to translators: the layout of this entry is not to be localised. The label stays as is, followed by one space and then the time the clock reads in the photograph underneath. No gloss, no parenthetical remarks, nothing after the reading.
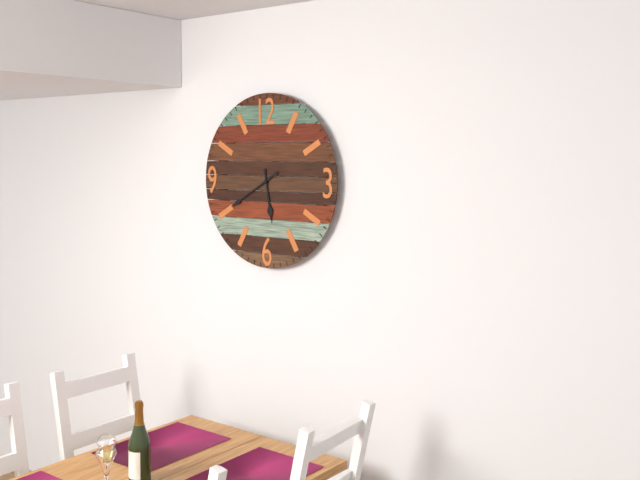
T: 5:40
